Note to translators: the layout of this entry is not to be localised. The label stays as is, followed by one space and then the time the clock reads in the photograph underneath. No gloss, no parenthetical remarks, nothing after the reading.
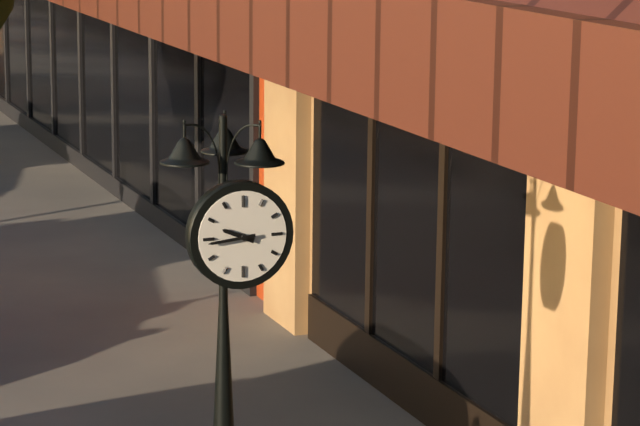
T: 9:44
